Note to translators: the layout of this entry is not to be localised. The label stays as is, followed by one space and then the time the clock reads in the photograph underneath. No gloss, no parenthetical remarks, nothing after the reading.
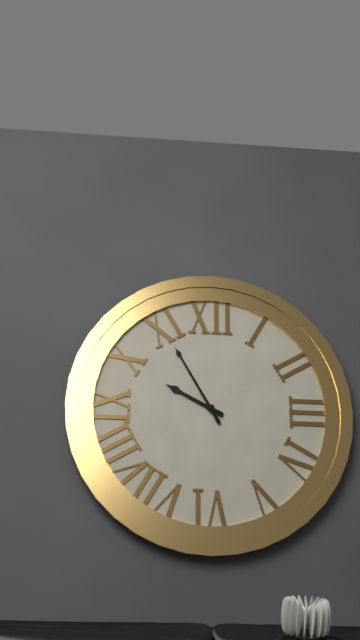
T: 9:55
